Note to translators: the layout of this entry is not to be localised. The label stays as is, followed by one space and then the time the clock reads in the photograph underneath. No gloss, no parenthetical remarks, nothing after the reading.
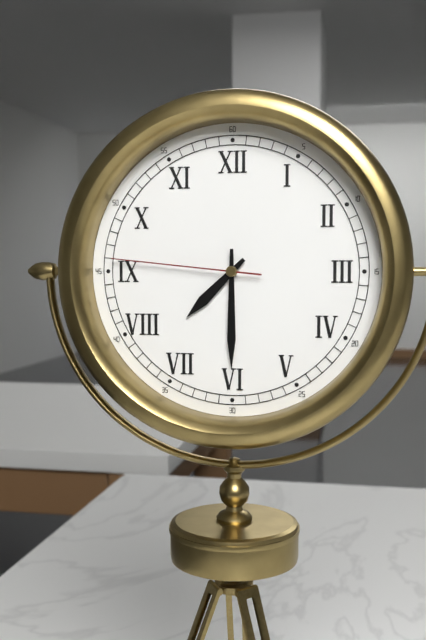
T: 7:30:46
